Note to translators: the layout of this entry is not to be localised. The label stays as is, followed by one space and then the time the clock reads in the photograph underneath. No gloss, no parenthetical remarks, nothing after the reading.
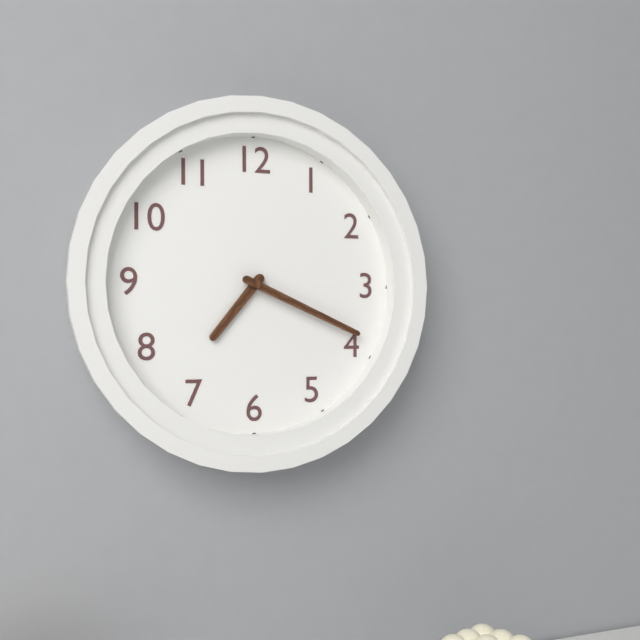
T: 7:19
